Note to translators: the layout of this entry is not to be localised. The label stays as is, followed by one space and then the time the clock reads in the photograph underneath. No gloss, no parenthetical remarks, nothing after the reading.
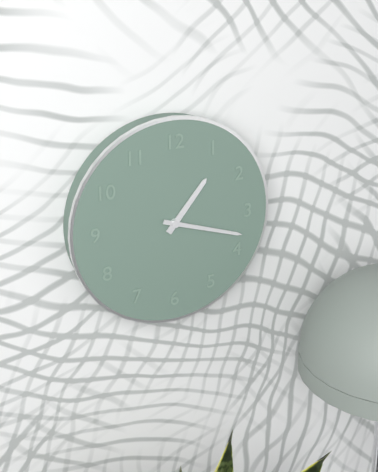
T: 1:18
